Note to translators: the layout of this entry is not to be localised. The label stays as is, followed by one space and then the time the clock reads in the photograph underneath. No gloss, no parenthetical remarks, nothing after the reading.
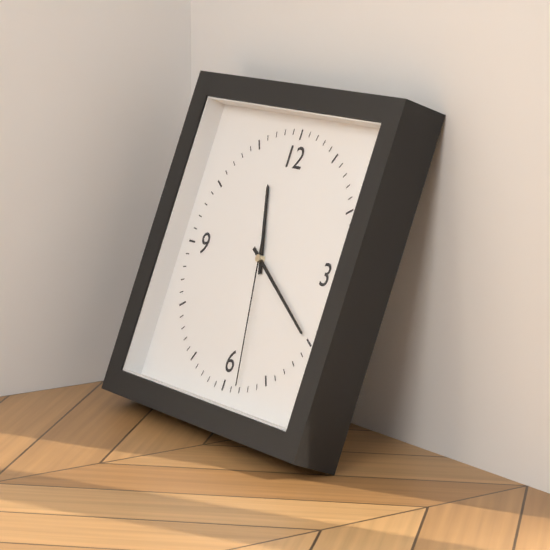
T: 11:20:28
